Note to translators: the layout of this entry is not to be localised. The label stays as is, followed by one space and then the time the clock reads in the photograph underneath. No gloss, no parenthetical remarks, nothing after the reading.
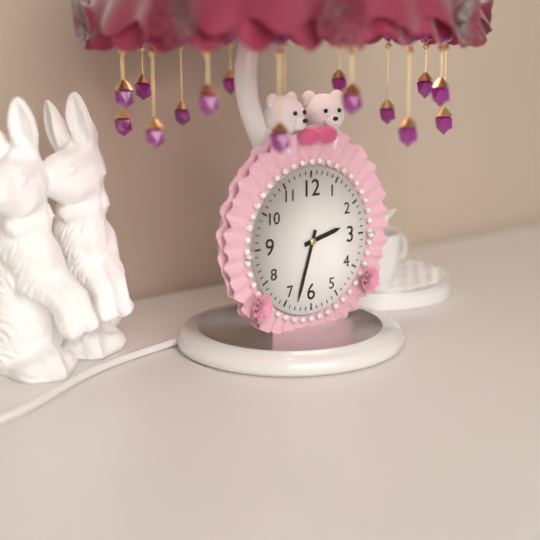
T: 2:33
